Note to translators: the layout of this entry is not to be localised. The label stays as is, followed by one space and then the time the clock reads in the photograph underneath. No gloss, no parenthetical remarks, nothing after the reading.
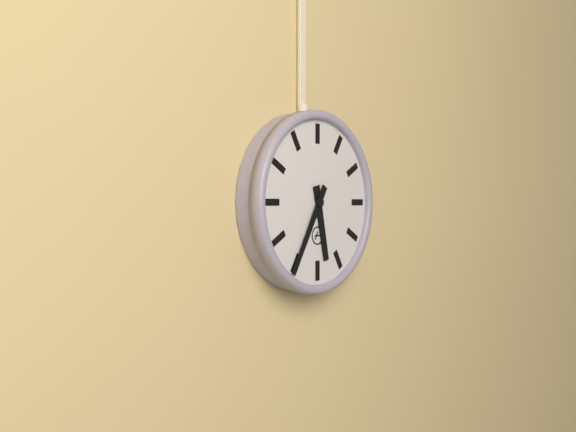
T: 5:35
